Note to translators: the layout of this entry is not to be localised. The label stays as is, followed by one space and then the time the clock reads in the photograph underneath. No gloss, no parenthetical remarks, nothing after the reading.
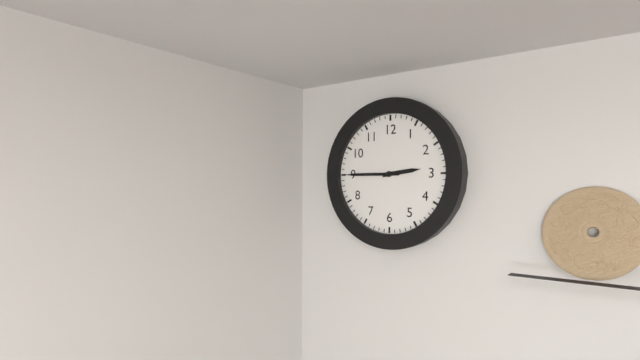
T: 2:45
